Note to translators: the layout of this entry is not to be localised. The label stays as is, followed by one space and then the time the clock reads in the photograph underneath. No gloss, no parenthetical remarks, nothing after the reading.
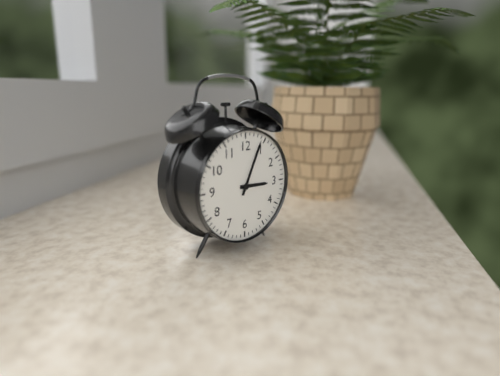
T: 3:04
